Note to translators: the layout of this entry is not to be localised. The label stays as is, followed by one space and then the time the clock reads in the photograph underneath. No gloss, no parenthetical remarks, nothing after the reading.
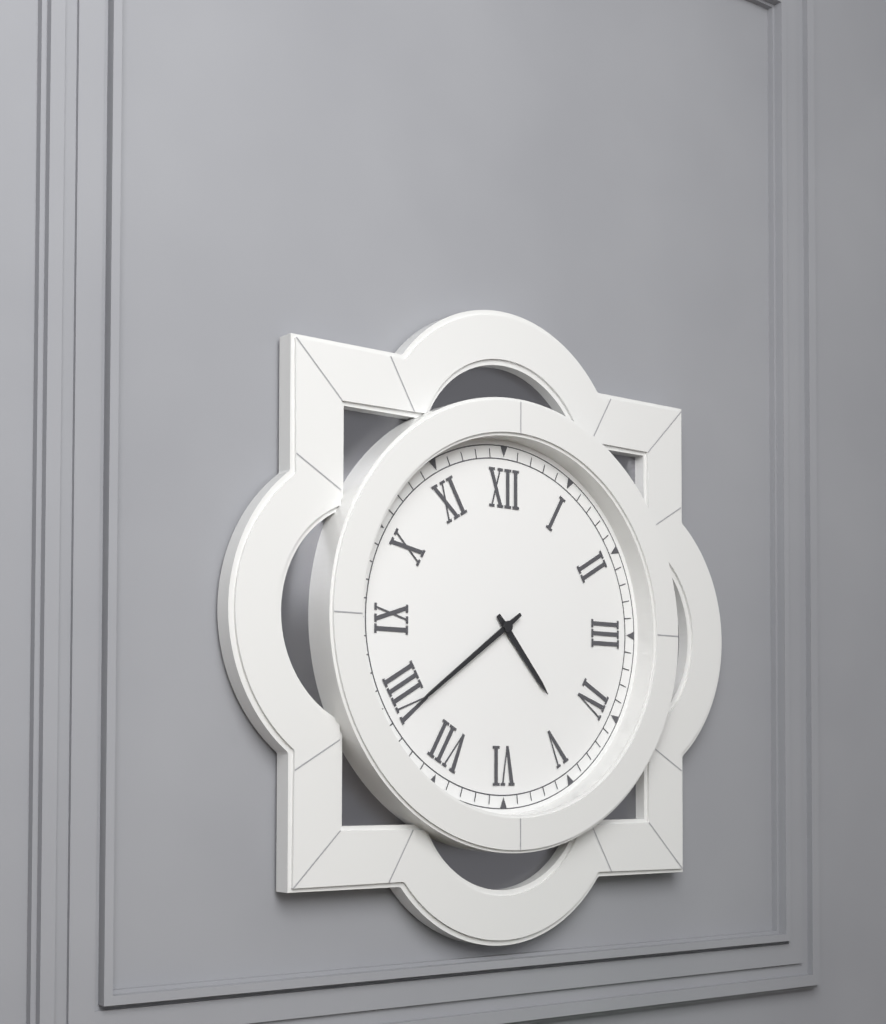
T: 4:39
